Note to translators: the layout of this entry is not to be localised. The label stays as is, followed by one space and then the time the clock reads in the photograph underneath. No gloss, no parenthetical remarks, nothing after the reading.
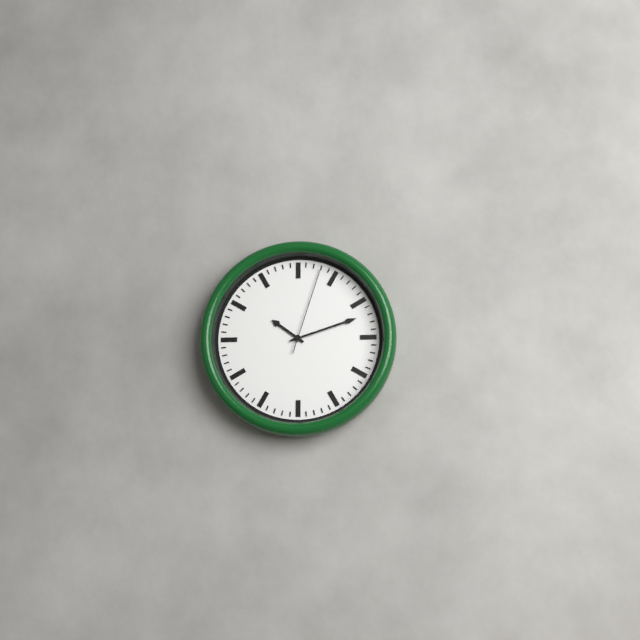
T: 10:12:03
